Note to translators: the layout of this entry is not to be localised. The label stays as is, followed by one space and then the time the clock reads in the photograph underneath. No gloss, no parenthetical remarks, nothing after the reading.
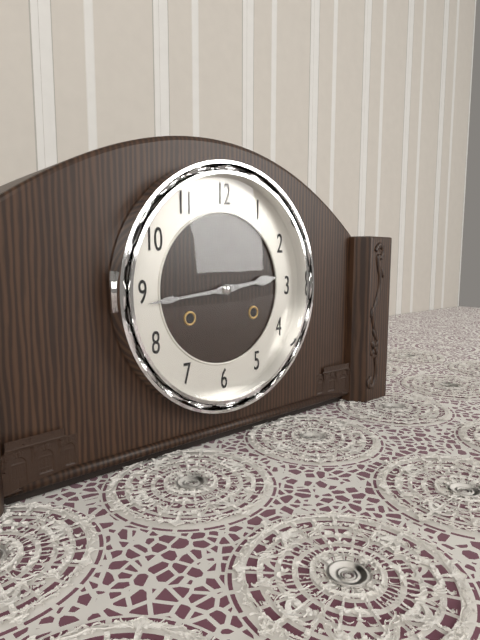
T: 2:44
